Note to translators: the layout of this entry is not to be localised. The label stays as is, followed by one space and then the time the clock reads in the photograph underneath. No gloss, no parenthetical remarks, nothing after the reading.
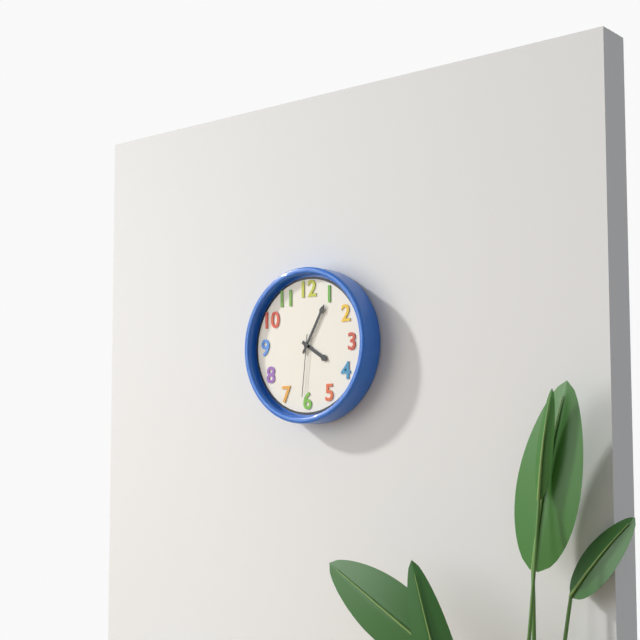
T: 4:05:31
